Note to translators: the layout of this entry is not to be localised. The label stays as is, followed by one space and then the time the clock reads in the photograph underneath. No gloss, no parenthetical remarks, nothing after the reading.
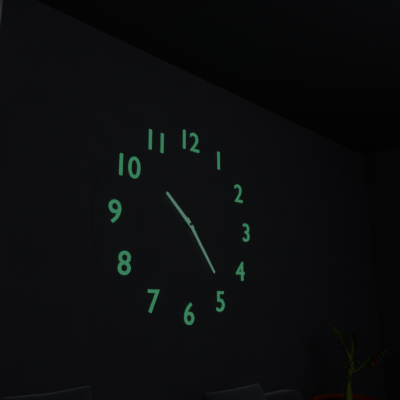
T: 10:24
